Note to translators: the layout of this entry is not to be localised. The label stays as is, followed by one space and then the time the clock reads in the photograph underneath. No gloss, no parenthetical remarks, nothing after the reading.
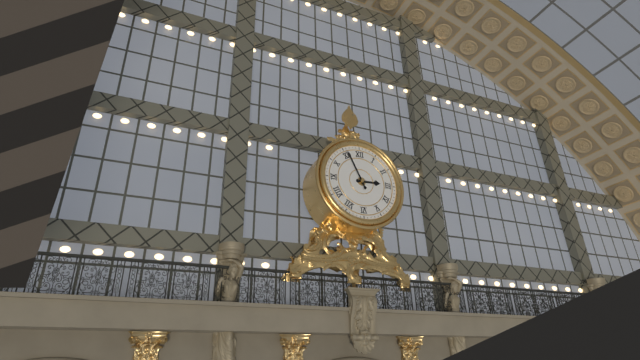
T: 2:56
